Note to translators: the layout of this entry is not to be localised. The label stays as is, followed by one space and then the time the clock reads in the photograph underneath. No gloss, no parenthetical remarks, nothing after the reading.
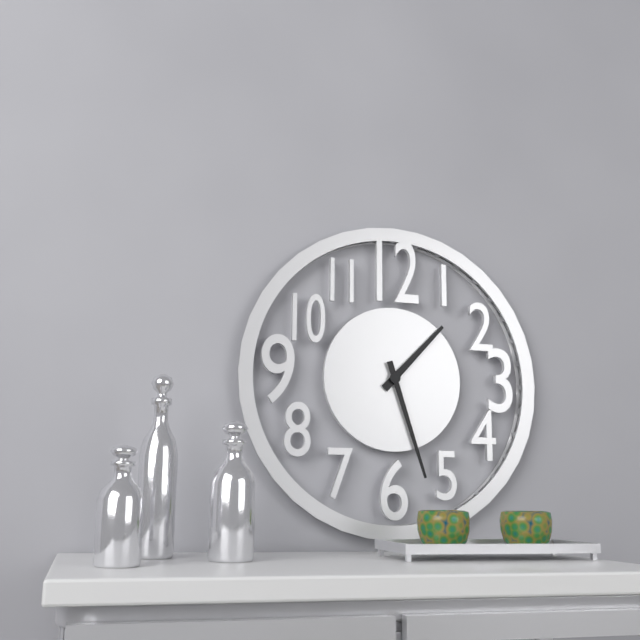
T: 1:27
